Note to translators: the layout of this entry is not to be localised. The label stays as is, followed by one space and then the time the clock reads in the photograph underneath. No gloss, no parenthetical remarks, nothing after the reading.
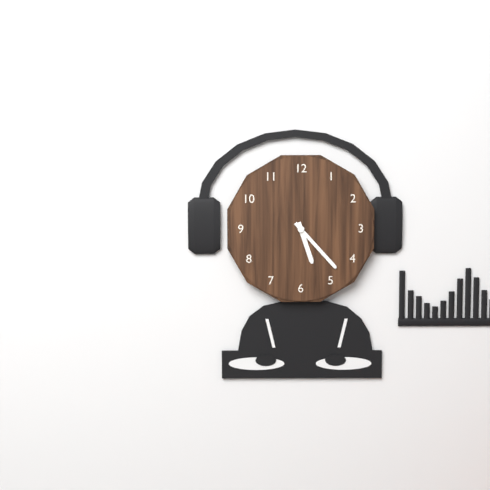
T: 5:23
